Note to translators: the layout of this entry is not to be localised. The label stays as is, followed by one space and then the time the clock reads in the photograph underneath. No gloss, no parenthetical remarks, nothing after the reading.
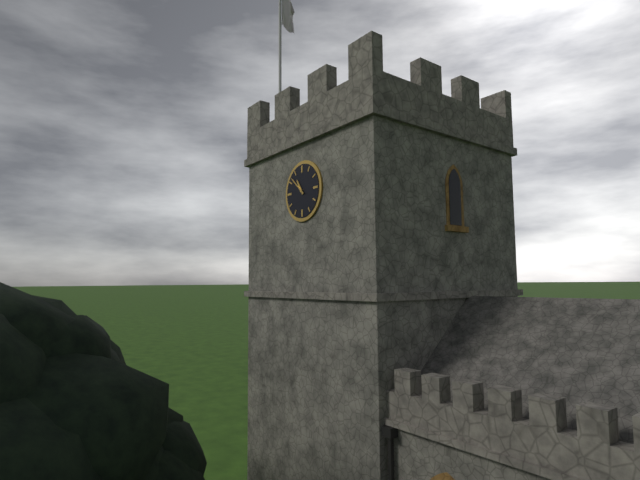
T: 10:52
